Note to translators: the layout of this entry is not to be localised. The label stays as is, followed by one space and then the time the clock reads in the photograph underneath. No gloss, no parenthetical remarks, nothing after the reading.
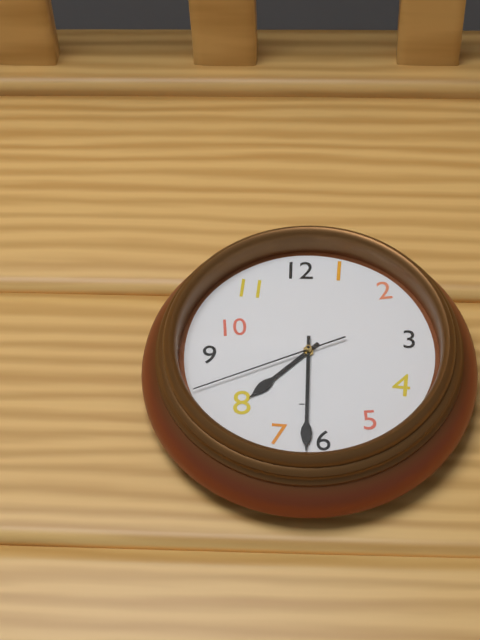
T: 7:30:41
